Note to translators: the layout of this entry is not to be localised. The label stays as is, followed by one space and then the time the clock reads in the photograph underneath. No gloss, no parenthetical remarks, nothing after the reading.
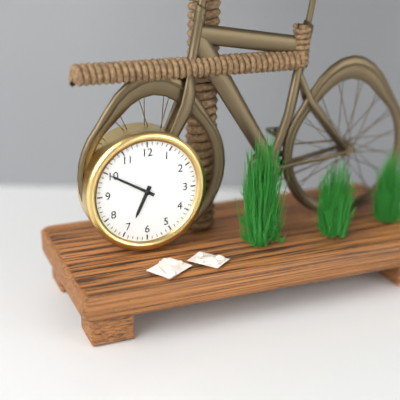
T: 6:50
